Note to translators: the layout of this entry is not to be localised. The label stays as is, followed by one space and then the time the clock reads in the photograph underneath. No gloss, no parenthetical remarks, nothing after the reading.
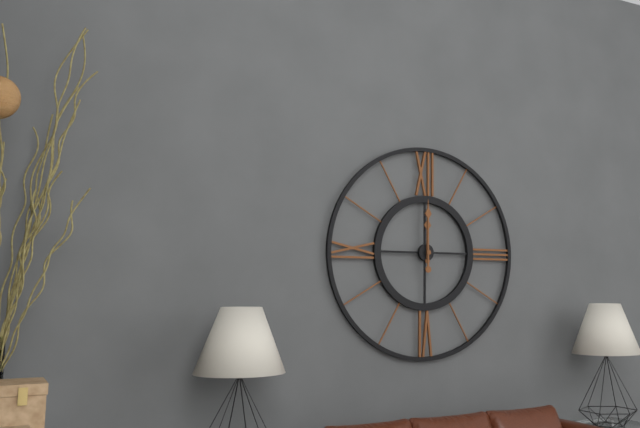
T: 12:00
